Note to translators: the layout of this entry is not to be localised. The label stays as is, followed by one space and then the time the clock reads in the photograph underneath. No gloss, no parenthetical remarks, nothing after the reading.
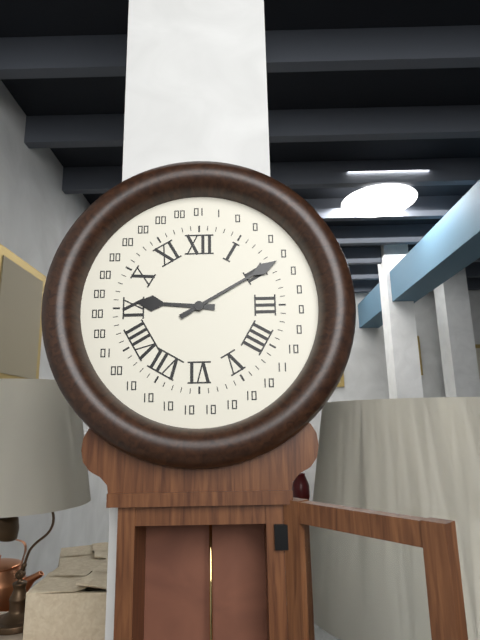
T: 9:10
